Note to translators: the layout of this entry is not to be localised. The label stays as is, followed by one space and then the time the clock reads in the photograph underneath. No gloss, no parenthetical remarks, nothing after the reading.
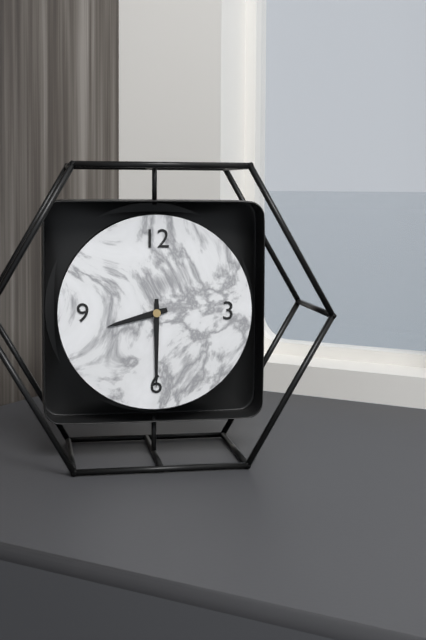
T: 8:30
